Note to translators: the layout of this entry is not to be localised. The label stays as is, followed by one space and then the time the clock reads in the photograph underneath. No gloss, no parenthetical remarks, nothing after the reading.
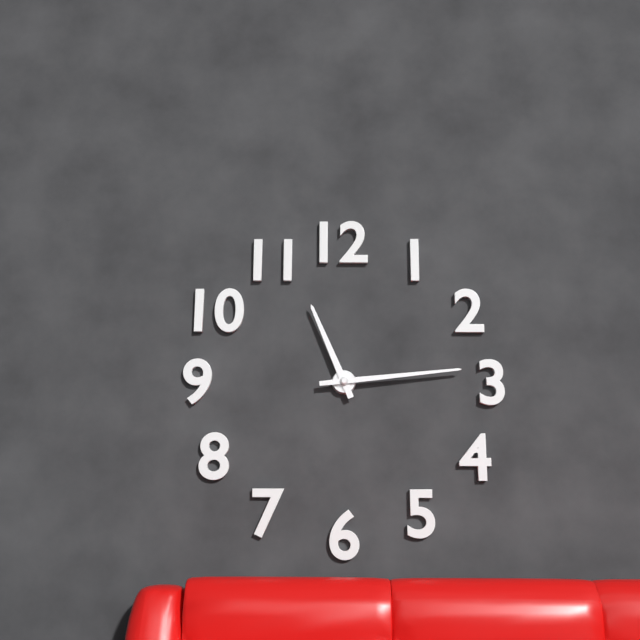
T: 11:14
